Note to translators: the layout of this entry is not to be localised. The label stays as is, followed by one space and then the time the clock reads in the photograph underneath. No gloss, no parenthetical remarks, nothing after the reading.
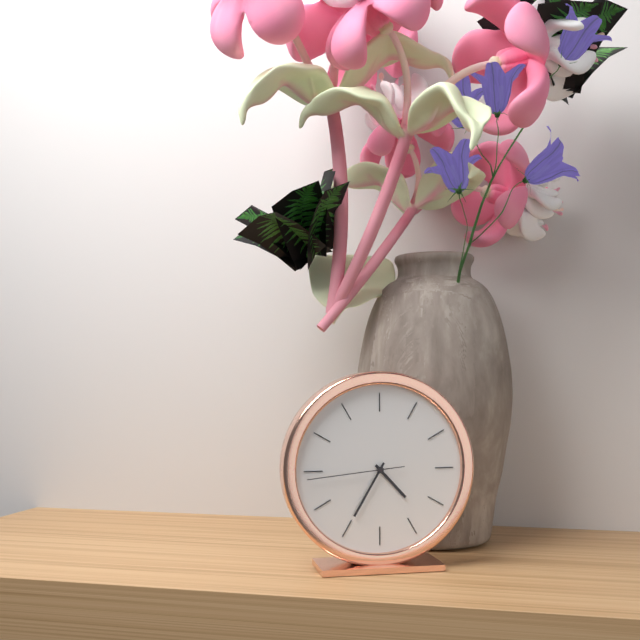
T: 4:35:44
